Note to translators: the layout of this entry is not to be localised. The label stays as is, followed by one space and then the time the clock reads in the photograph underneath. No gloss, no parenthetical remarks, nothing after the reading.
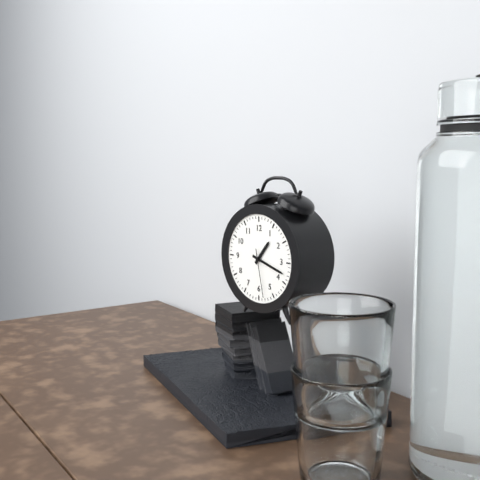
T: 1:18
